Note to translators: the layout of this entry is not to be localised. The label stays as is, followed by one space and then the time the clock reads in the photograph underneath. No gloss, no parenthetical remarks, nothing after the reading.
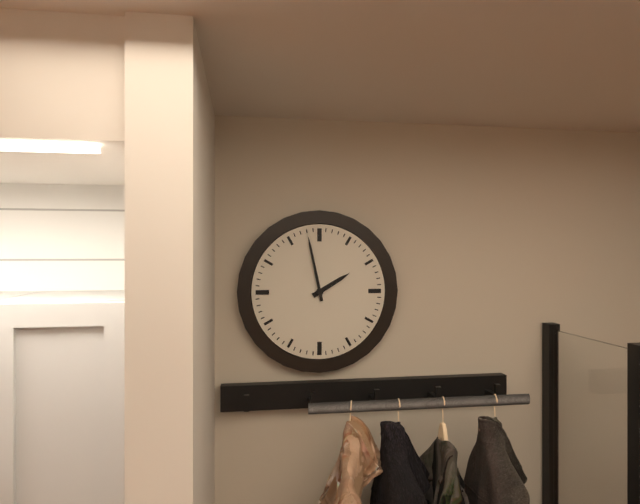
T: 1:58
